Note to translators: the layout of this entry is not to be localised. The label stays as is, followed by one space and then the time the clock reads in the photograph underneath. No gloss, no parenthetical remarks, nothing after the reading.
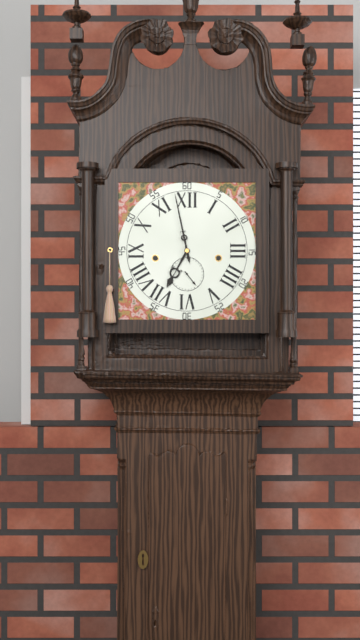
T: 6:58
